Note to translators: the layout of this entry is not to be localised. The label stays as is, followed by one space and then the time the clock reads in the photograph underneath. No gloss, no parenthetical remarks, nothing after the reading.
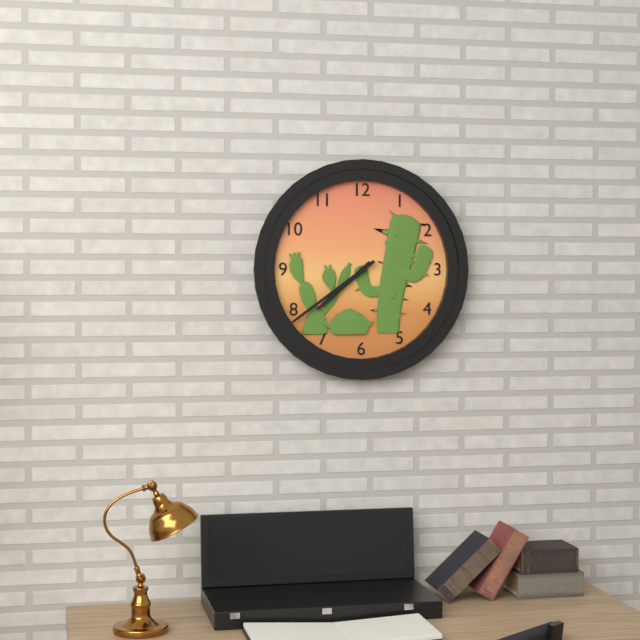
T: 7:39
